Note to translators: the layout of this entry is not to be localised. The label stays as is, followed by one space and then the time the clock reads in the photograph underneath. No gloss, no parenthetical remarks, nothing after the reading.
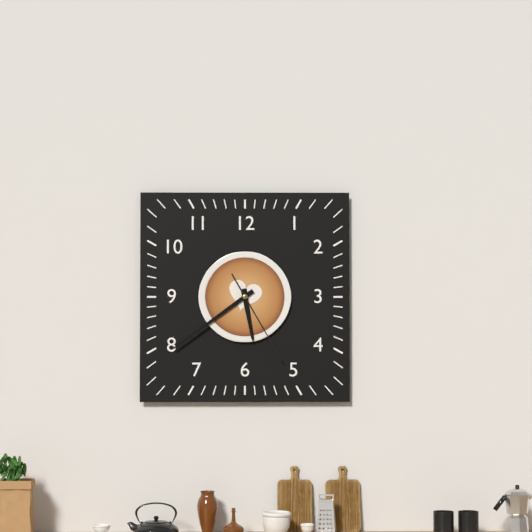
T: 5:39:25
